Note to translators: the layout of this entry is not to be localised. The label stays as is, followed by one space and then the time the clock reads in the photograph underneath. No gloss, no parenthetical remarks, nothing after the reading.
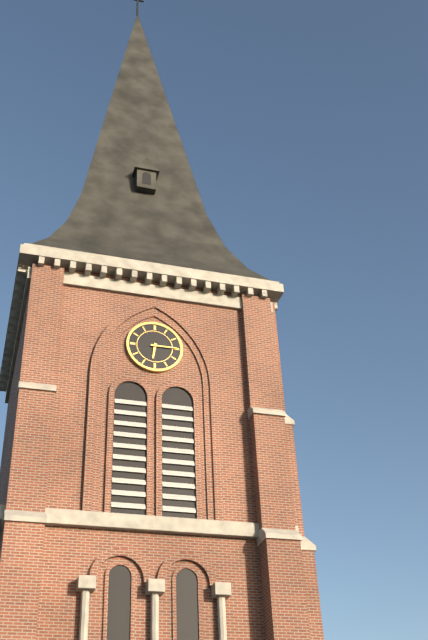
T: 6:15
